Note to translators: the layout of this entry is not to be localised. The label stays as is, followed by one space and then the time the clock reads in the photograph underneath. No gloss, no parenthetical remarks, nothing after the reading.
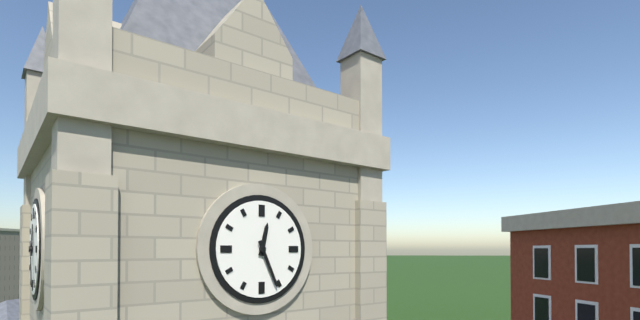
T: 12:26
